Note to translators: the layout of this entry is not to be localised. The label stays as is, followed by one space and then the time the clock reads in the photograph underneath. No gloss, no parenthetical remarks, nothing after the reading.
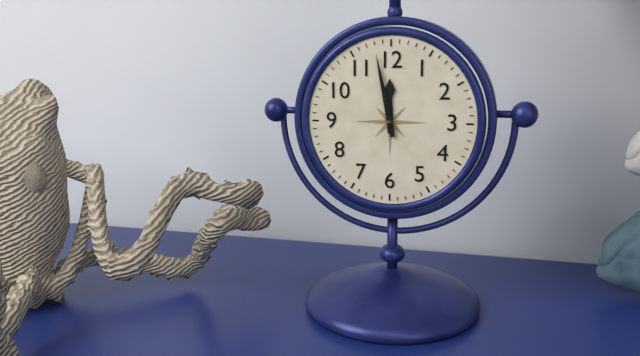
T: 11:58
